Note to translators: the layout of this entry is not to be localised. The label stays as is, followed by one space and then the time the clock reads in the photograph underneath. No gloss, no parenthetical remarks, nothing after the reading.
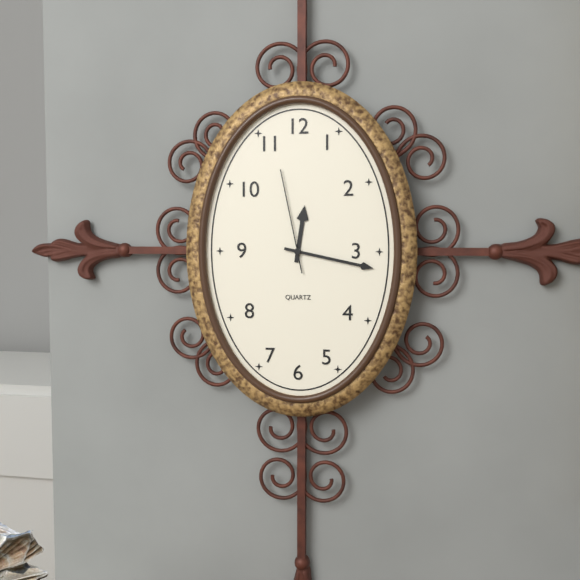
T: 12:17:58
